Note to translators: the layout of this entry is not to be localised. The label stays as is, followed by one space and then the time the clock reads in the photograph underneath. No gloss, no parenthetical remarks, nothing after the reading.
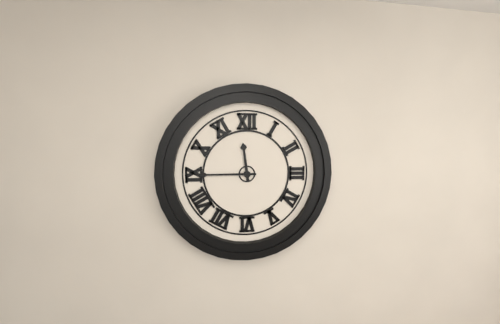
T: 11:45
